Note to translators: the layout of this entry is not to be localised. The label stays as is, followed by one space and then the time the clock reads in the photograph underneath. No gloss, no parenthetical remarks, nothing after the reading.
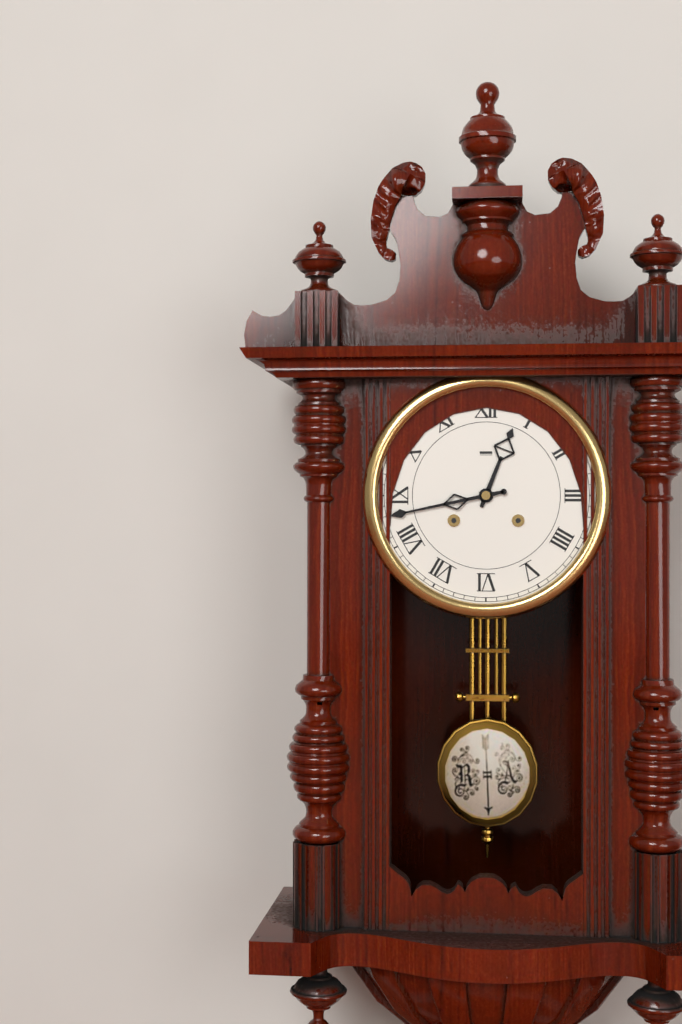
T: 12:43
